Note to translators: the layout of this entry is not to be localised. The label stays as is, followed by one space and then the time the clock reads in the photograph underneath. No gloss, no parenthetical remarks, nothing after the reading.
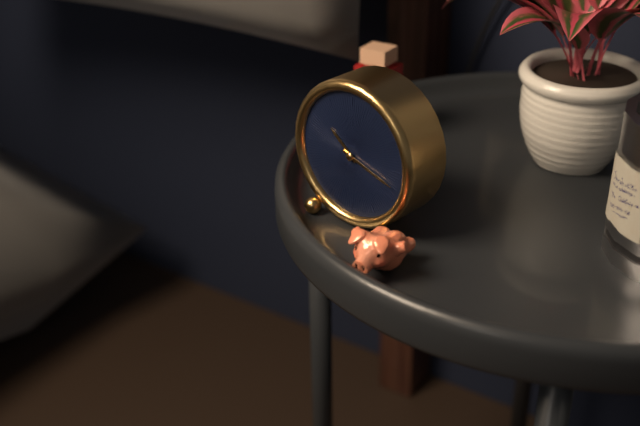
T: 10:18
